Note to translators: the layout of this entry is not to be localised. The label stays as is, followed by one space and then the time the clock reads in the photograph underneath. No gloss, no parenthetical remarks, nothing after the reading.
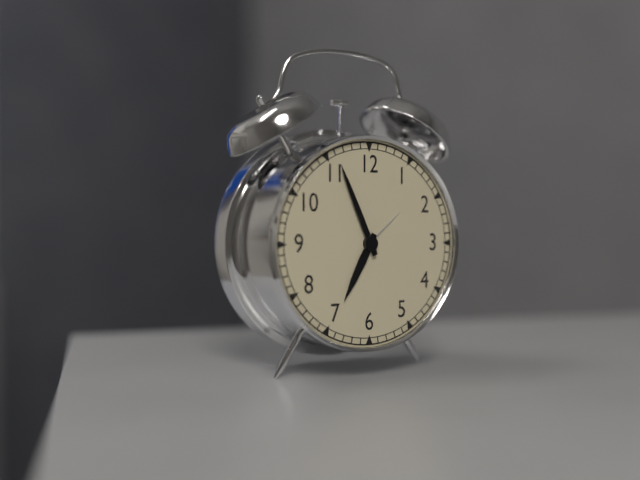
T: 6:56
